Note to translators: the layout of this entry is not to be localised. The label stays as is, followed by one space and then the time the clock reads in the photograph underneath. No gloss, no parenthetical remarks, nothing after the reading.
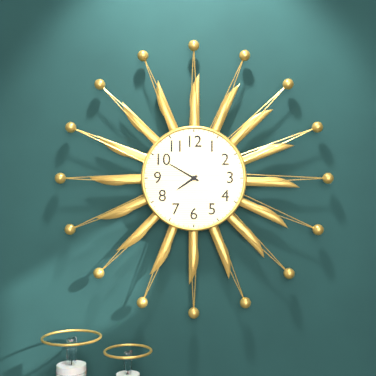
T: 7:50
